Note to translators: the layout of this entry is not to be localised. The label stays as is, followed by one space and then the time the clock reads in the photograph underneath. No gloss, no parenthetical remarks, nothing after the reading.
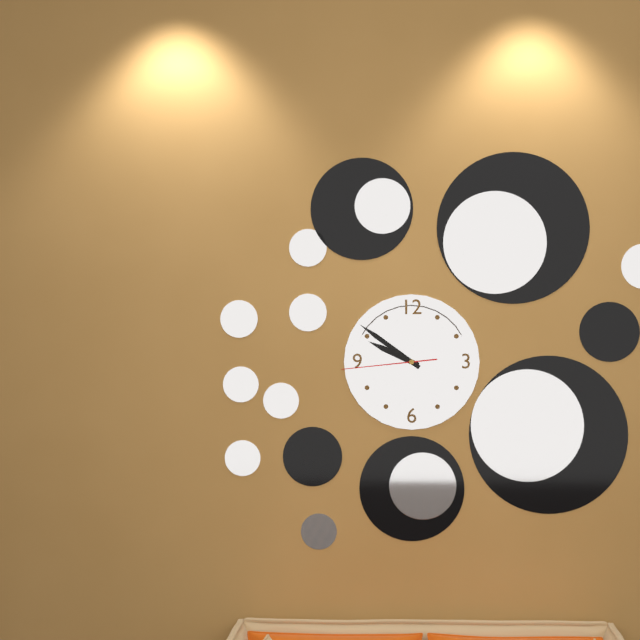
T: 9:51:44
